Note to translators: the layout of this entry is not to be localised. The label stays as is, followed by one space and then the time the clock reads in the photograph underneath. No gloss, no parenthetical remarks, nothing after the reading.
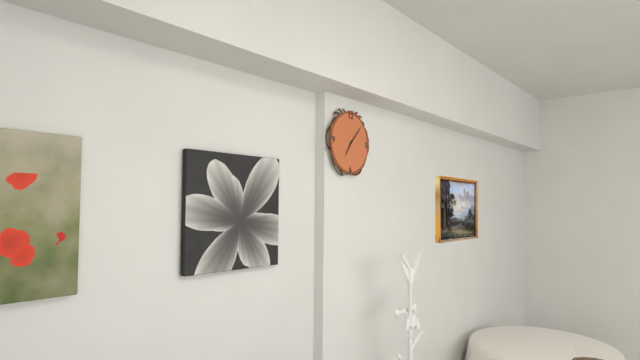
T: 7:07
